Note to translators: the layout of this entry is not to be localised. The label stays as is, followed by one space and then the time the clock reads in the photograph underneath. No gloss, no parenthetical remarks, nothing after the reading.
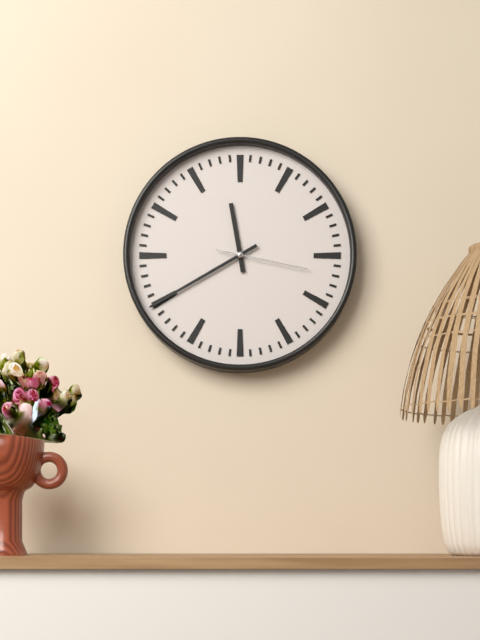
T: 11:40:17
